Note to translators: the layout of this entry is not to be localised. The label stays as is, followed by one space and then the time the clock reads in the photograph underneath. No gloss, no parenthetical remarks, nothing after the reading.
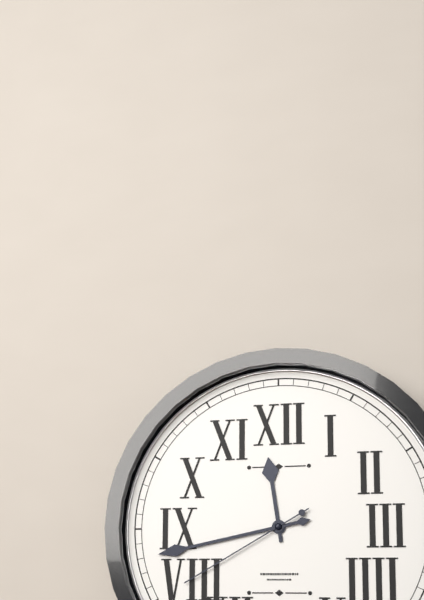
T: 11:43:40
